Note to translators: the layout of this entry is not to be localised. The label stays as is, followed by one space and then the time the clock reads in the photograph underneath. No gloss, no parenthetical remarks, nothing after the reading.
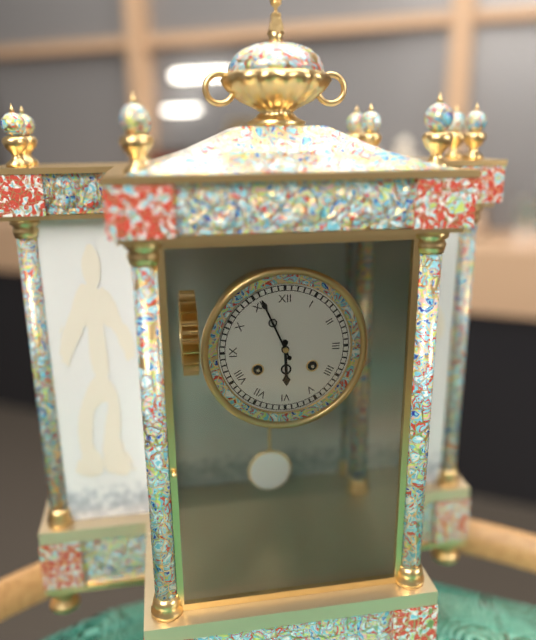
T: 5:56
